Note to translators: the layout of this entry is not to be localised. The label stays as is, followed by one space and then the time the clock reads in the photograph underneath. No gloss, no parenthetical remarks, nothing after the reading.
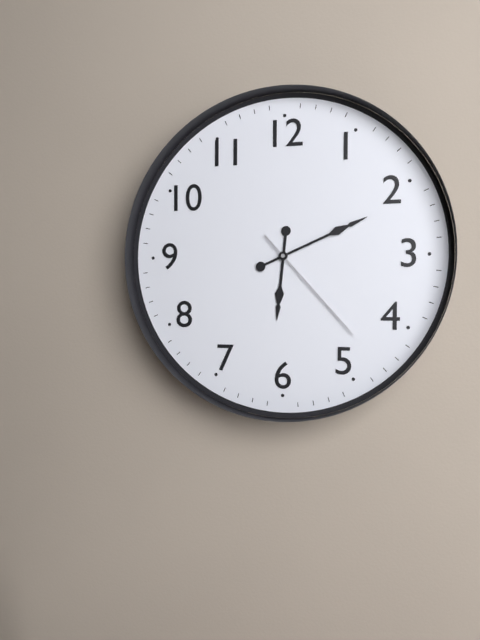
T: 6:11:23
